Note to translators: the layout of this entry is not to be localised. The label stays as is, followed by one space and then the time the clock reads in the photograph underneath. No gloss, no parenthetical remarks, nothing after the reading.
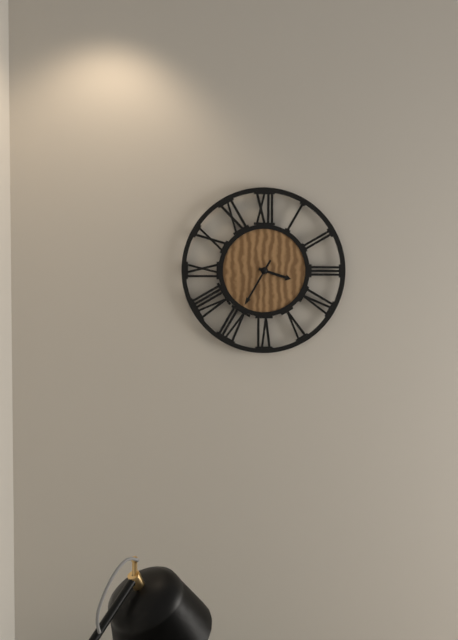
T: 3:35
